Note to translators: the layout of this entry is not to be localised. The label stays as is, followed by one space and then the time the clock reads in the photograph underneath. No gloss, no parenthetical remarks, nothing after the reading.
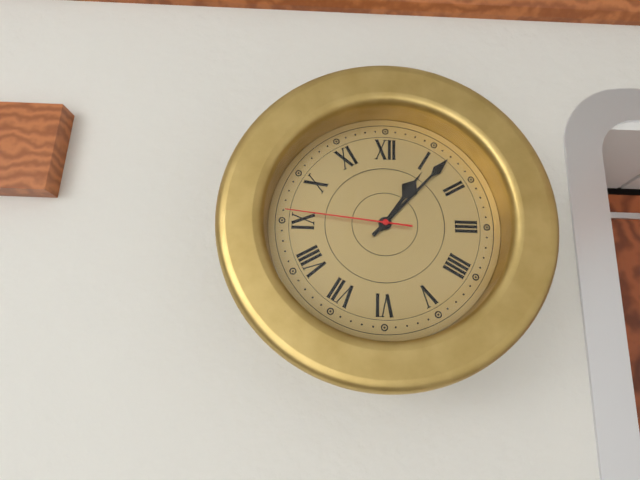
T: 1:07:46
